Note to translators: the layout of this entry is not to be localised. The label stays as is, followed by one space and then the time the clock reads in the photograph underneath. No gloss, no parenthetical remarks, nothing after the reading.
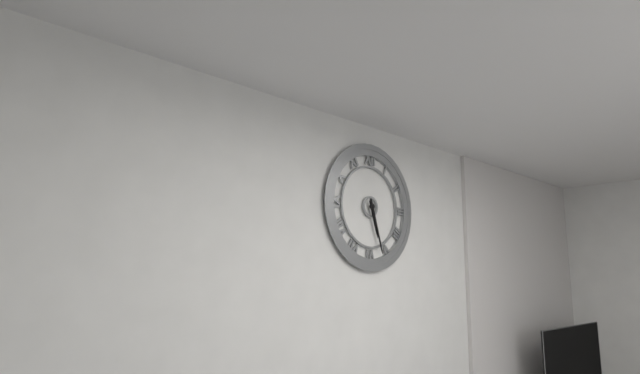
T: 5:27
